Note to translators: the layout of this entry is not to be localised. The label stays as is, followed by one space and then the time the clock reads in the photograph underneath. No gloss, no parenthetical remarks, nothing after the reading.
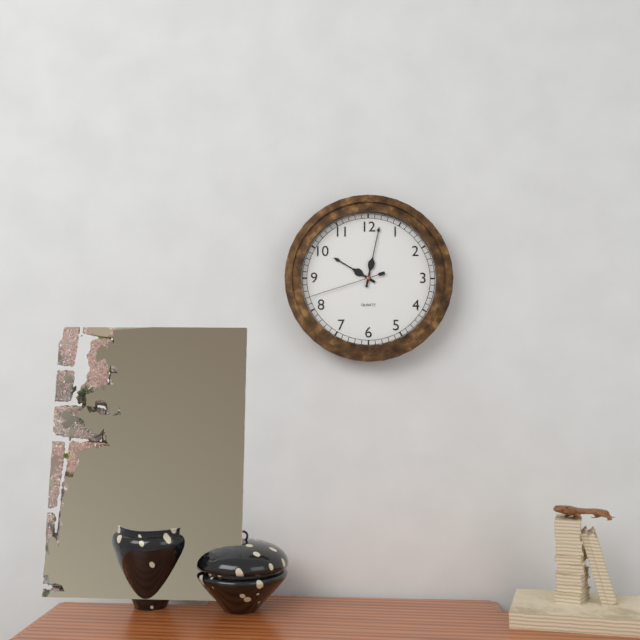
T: 10:02:42
